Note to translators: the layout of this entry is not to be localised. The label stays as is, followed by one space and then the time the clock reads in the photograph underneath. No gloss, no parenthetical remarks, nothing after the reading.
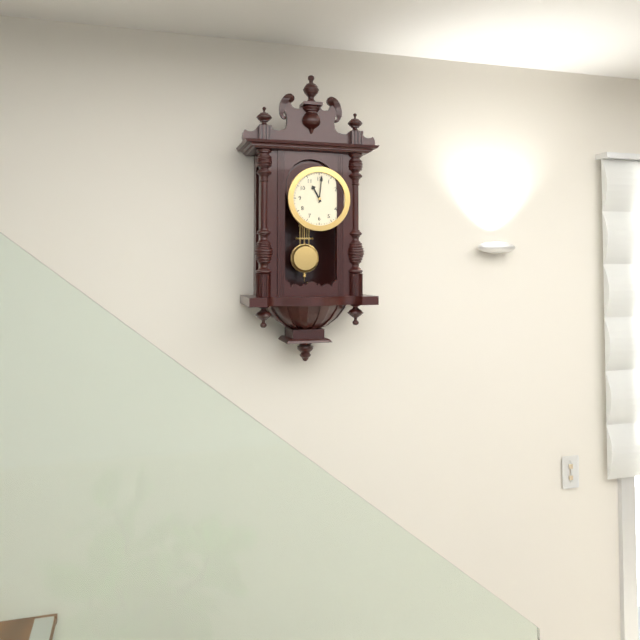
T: 11:01
